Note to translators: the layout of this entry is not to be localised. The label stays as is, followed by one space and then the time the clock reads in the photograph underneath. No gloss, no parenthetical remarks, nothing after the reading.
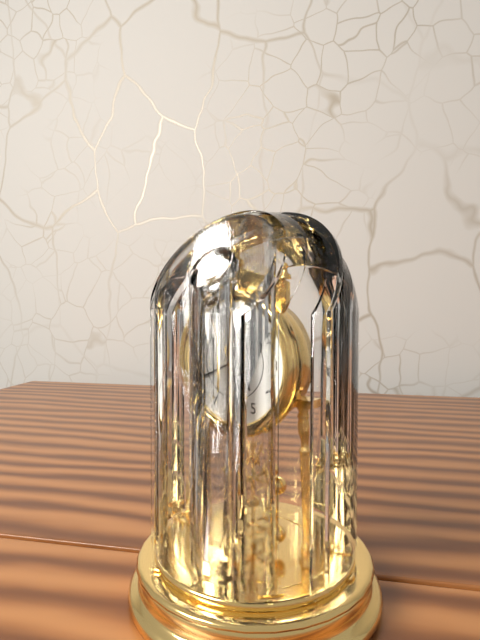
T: 4:41
